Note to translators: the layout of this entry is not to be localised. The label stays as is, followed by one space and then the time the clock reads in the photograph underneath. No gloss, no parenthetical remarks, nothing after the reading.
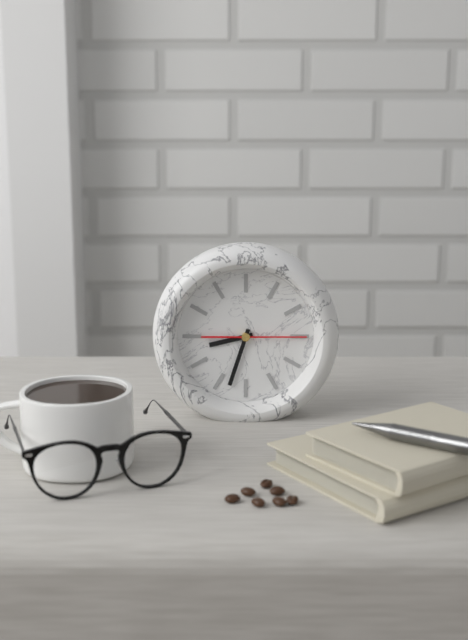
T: 8:33:15
